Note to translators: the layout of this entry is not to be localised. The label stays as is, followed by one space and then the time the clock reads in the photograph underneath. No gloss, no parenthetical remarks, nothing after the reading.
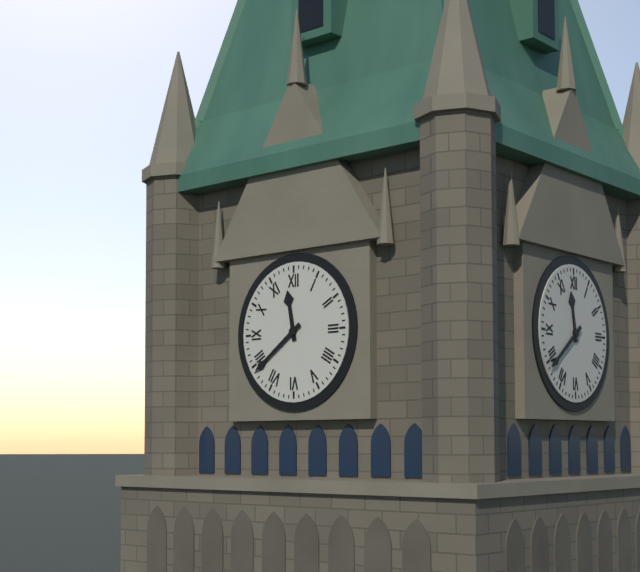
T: 11:39
